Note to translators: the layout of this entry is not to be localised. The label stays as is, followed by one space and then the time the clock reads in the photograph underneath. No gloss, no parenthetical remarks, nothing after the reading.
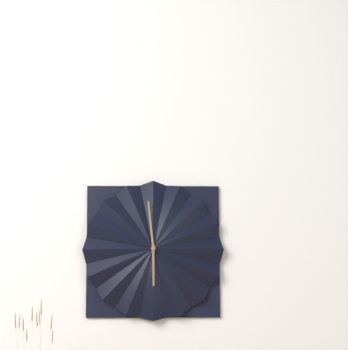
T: 5:59
